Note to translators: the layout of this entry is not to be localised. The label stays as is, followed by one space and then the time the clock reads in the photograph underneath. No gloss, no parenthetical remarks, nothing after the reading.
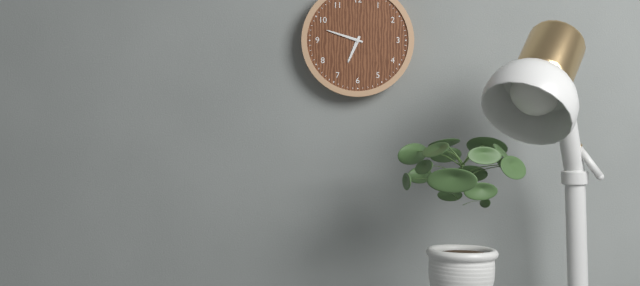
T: 6:48
